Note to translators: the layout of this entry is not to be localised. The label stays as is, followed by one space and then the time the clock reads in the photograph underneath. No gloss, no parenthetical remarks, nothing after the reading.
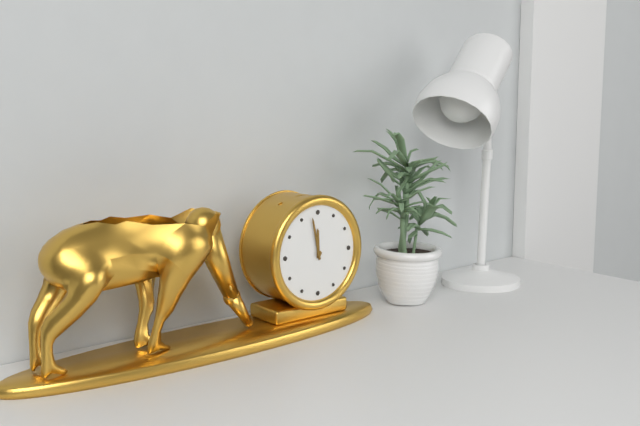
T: 11:58
